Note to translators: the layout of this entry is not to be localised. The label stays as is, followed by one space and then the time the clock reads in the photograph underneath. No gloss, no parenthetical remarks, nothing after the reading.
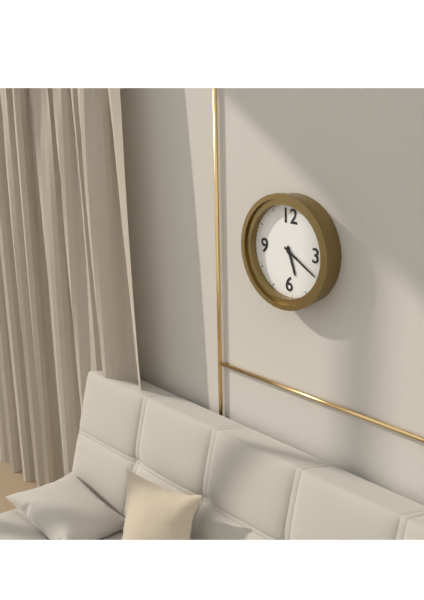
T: 5:20
